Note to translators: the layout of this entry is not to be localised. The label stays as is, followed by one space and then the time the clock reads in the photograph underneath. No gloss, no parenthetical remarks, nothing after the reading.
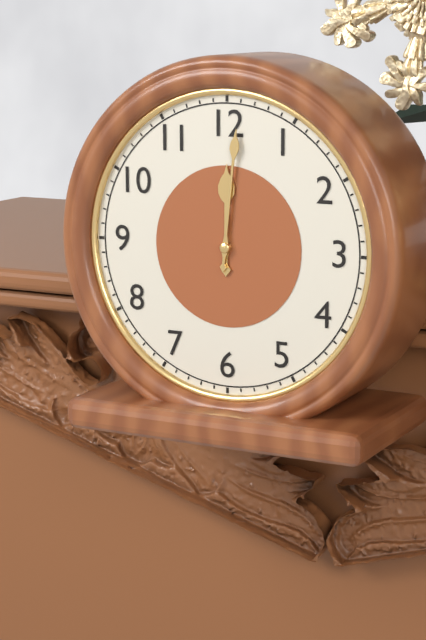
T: 12:01
